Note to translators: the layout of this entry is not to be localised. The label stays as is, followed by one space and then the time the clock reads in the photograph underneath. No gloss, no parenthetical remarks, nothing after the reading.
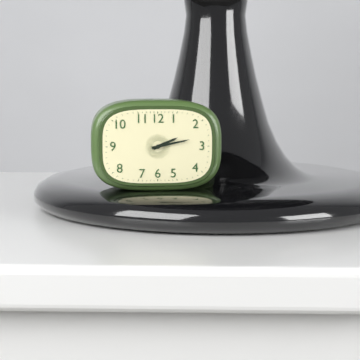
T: 2:13
